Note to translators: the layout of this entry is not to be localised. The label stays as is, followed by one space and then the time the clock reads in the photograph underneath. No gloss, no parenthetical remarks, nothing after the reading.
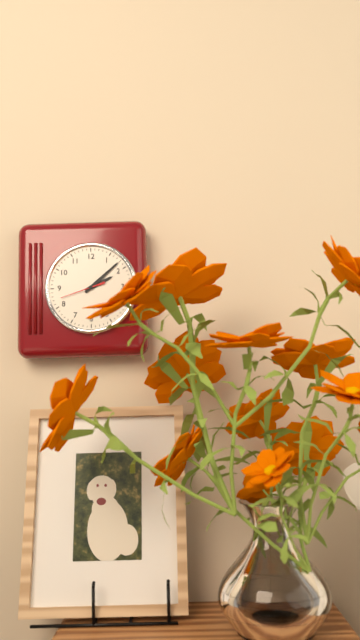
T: 2:08
